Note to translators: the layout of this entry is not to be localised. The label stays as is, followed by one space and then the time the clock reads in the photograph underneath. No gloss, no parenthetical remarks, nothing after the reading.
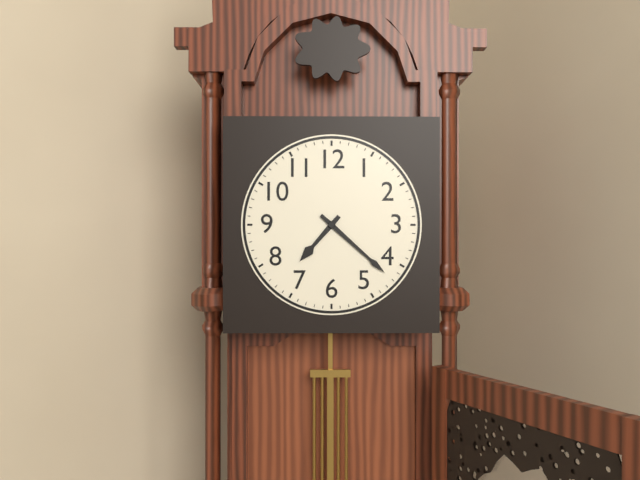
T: 7:22
